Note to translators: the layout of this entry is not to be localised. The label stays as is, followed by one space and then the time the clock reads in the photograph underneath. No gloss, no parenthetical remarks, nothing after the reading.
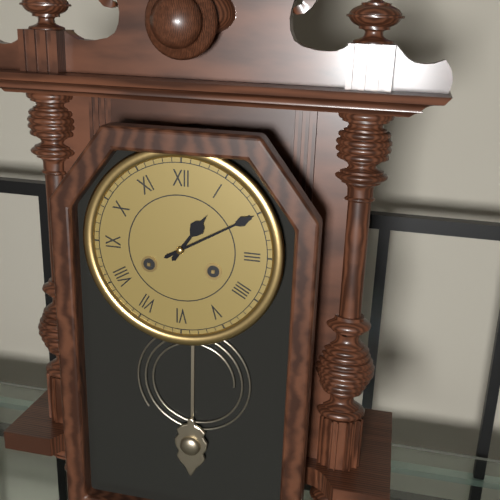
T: 1:10
